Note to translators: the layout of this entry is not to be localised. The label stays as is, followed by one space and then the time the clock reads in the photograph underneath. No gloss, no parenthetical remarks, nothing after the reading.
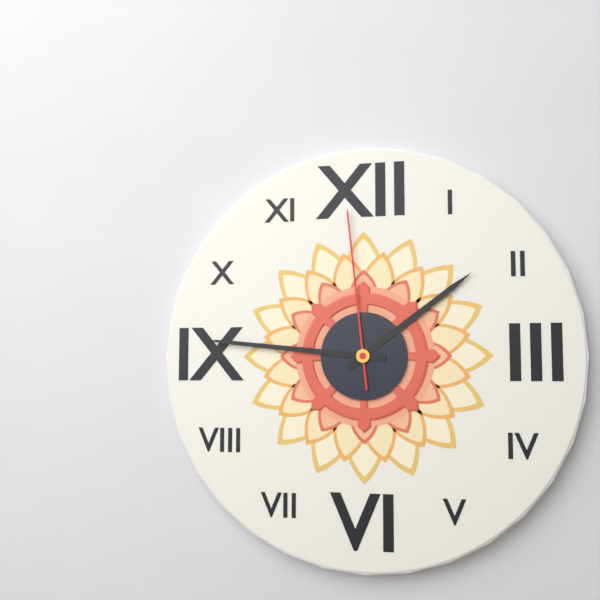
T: 1:46:59
